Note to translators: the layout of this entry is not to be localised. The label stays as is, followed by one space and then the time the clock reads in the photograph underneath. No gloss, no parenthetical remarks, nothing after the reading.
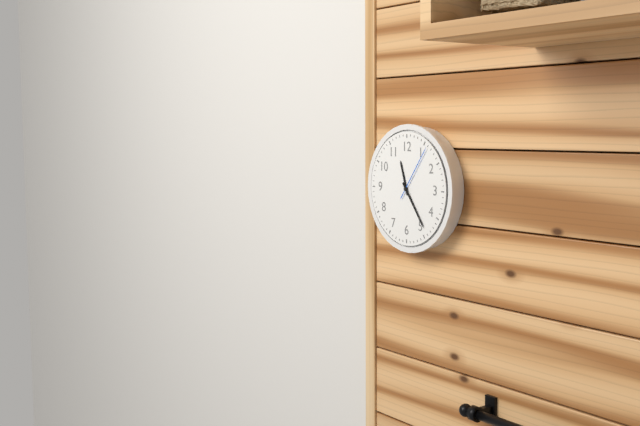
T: 11:24:06
